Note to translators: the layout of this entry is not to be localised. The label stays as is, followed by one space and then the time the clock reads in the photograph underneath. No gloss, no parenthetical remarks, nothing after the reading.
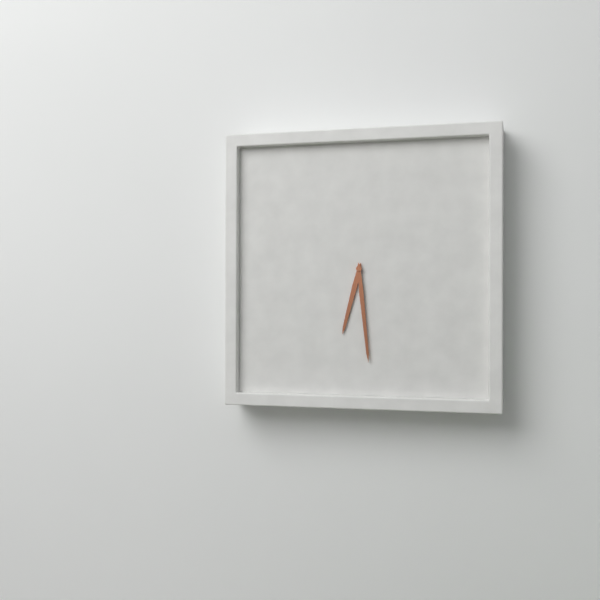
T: 6:29
